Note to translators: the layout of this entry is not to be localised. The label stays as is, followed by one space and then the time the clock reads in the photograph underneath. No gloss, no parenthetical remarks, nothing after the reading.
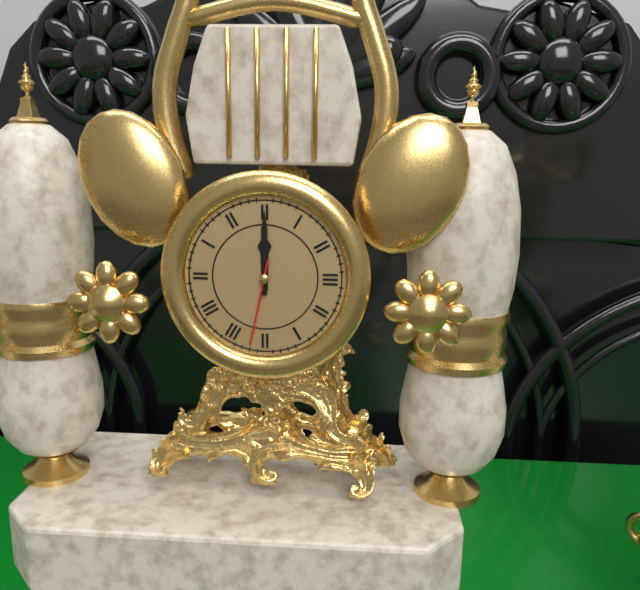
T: 12:00:32
